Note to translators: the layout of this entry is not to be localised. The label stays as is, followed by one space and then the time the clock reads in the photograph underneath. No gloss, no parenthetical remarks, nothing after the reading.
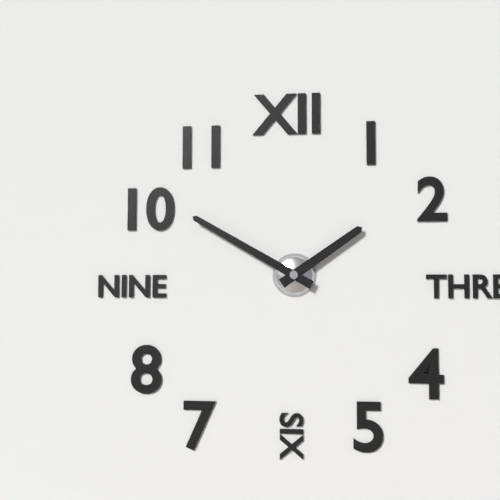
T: 1:50
